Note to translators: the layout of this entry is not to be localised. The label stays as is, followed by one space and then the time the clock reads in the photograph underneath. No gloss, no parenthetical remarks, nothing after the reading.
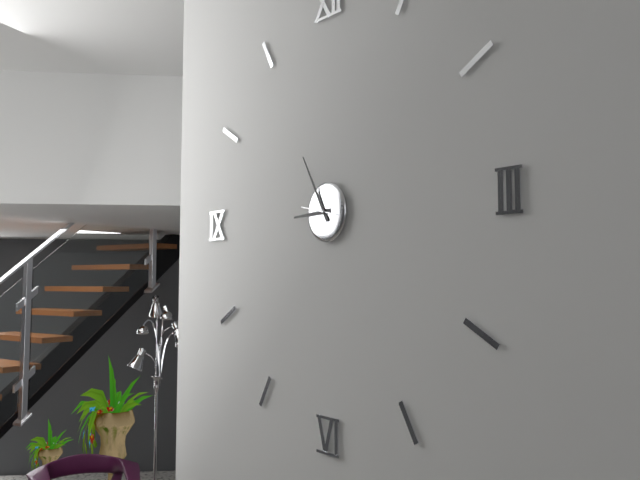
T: 8:55
